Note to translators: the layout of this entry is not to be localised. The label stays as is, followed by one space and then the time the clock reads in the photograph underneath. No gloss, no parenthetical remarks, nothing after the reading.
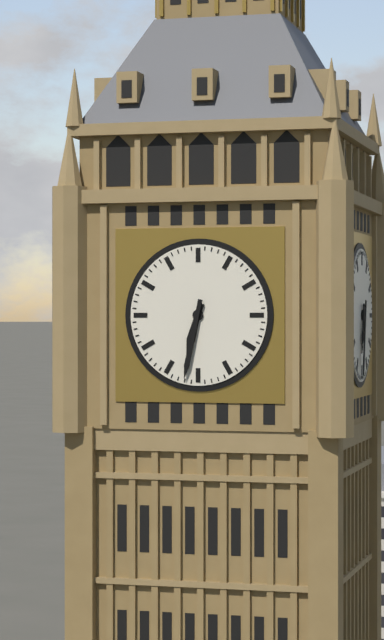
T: 6:32
